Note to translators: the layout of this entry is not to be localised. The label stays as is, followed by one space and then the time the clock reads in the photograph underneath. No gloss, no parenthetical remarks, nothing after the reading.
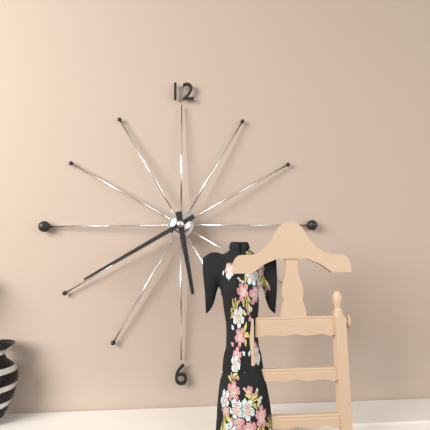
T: 5:40
